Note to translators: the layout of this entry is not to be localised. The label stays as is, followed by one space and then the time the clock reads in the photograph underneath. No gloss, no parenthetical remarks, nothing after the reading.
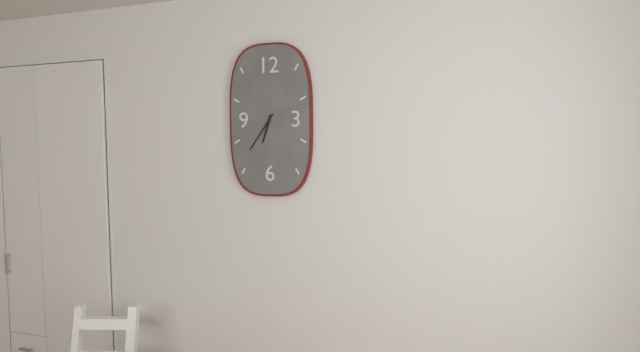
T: 6:36
